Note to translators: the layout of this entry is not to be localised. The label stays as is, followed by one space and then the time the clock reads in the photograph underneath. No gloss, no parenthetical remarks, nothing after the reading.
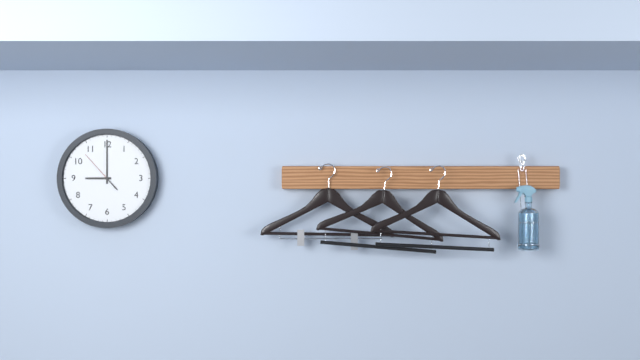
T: 9:00
